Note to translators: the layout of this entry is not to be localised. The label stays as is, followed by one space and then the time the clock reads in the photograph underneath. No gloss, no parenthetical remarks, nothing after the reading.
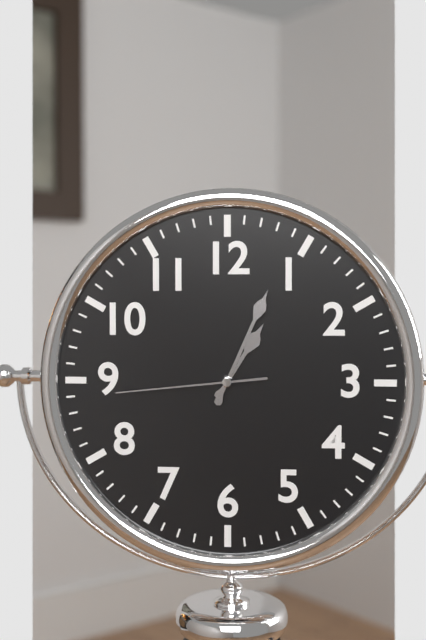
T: 1:04:44
